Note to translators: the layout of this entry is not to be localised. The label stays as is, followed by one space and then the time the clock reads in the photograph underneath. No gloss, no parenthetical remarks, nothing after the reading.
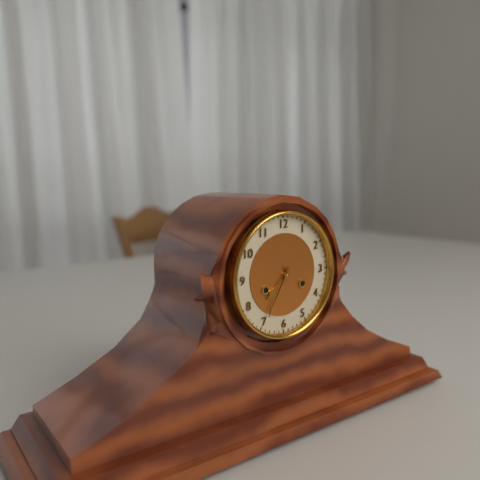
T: 7:35
